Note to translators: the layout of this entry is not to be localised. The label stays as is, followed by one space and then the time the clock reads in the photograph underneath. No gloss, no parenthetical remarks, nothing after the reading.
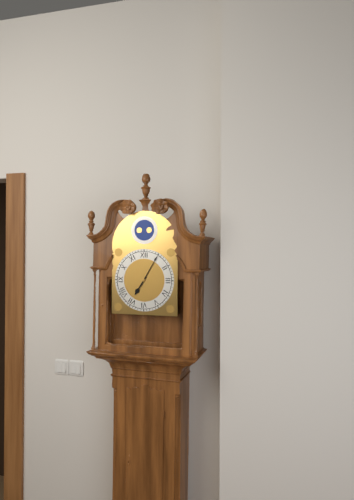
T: 7:05
